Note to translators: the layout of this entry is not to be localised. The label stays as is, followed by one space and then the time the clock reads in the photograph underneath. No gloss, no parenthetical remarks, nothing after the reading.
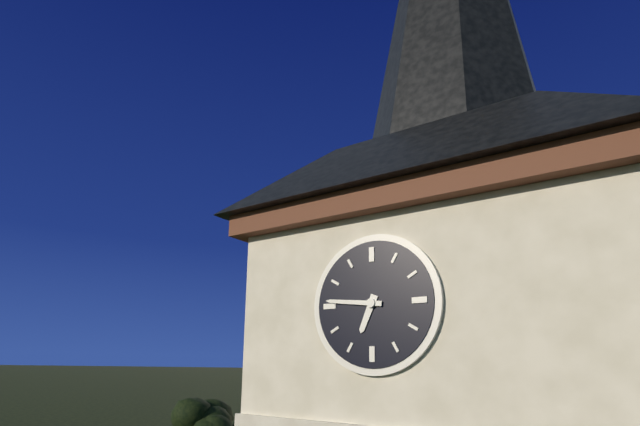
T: 6:46
